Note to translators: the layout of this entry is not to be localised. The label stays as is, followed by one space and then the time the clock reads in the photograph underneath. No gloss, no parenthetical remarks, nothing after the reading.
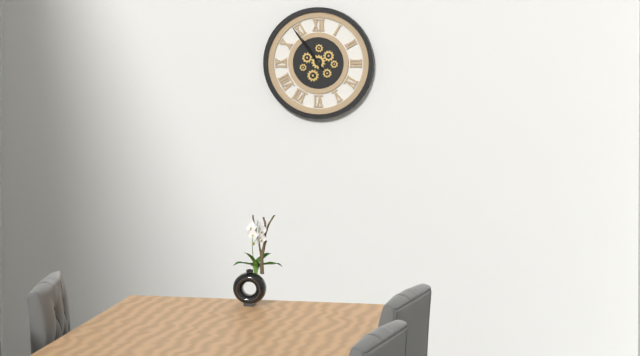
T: 10:54
